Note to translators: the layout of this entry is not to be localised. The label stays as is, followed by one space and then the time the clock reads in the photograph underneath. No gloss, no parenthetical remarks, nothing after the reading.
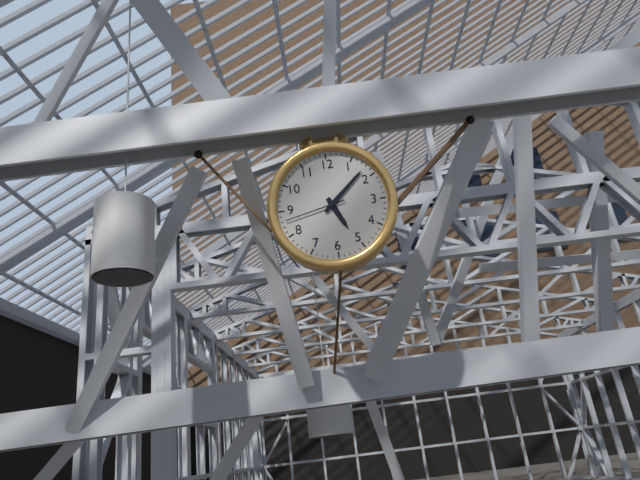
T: 5:08:43
